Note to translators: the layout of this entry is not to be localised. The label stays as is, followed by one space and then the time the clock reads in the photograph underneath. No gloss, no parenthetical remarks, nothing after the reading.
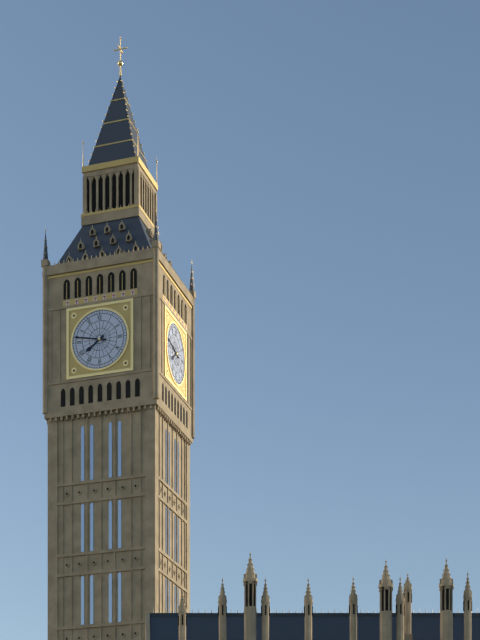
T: 7:47
